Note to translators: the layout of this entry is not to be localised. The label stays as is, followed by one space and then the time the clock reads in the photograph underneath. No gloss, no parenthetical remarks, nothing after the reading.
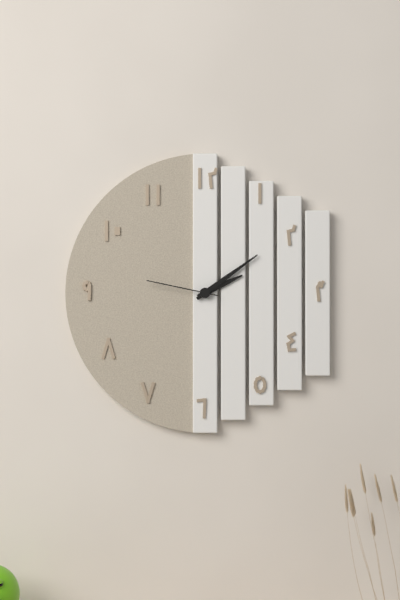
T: 2:09:47
